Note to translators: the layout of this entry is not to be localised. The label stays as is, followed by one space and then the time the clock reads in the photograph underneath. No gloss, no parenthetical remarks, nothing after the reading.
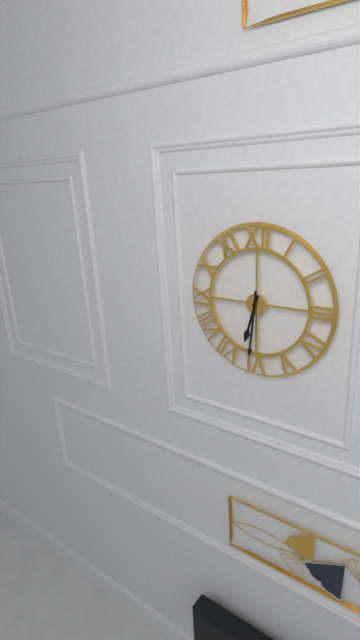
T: 6:31
